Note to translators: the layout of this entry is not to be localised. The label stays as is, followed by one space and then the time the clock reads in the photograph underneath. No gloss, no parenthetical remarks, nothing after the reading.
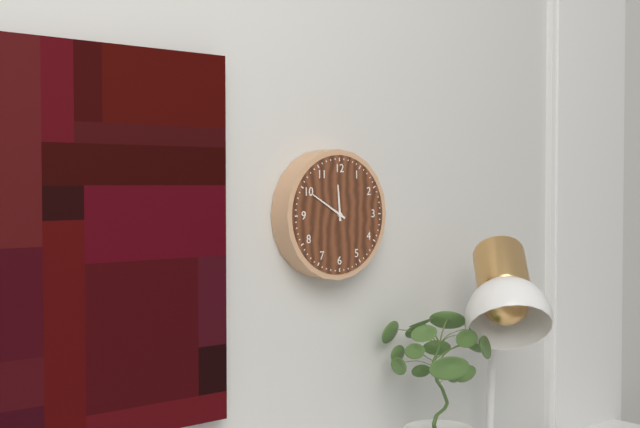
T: 11:50
